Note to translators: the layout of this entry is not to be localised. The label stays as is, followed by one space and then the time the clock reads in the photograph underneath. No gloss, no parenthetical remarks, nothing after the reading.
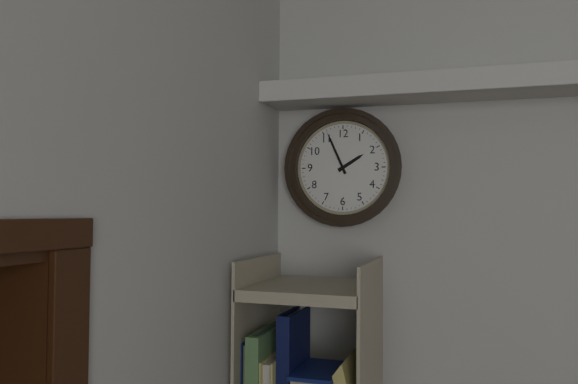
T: 1:56
